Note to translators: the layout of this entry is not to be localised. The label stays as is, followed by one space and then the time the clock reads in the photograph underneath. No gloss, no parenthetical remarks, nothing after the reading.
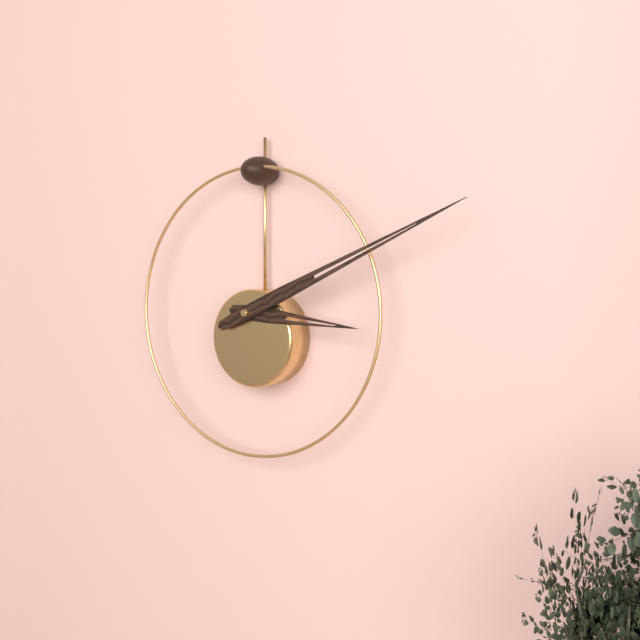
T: 3:11
